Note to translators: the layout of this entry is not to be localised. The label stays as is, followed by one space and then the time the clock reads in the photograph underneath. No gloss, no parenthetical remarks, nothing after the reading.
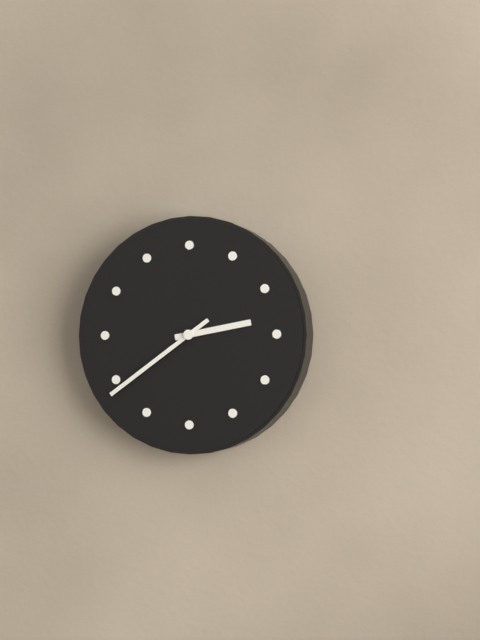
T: 2:39
